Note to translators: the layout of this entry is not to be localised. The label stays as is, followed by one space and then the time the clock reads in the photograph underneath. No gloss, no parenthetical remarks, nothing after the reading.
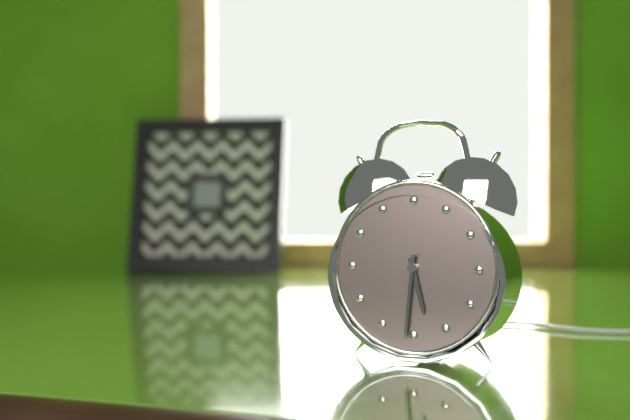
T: 5:31
